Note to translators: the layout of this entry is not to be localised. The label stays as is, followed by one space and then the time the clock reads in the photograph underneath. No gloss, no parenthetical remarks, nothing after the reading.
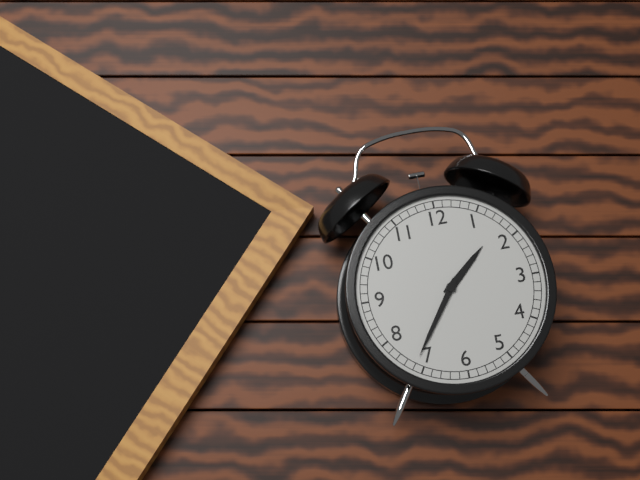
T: 1:36
